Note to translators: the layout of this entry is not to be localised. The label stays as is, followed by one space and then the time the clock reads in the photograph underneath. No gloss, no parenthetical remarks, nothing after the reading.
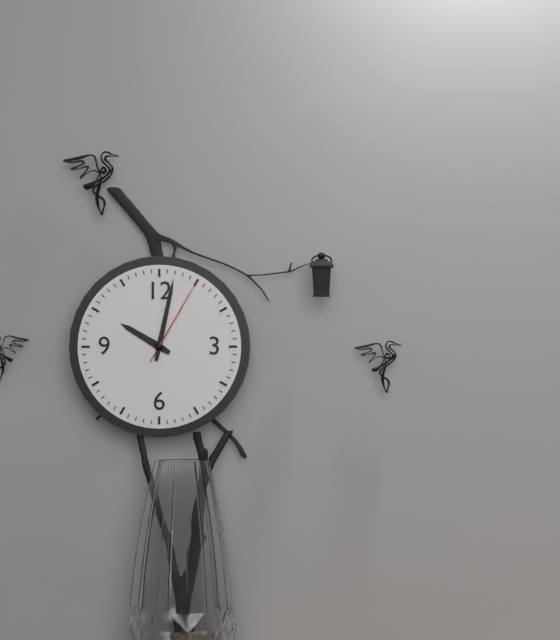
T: 10:02:05
